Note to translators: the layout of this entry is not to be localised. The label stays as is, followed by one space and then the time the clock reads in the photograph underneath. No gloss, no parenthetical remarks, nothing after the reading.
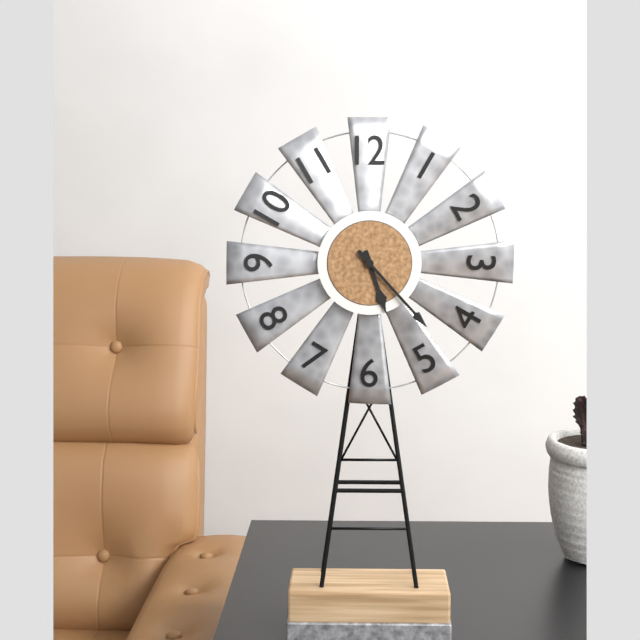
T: 5:23
